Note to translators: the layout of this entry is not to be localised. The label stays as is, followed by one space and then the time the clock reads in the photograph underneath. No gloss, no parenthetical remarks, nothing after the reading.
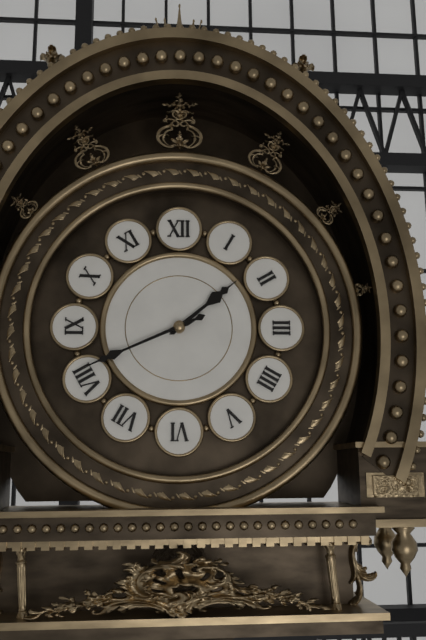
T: 1:41
